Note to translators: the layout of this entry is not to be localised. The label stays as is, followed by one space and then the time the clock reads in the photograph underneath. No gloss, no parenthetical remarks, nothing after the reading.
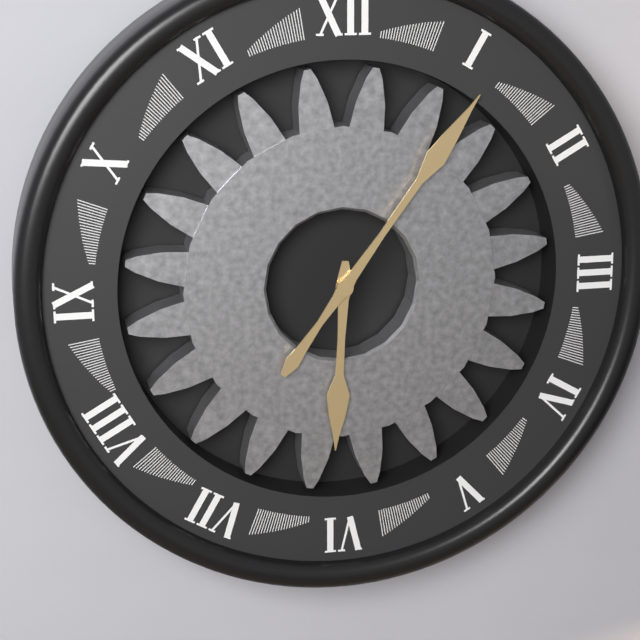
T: 6:06
